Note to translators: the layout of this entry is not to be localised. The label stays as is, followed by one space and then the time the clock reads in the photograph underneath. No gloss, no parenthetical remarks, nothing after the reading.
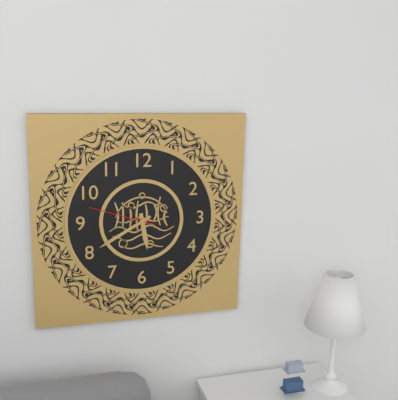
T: 5:40:48
